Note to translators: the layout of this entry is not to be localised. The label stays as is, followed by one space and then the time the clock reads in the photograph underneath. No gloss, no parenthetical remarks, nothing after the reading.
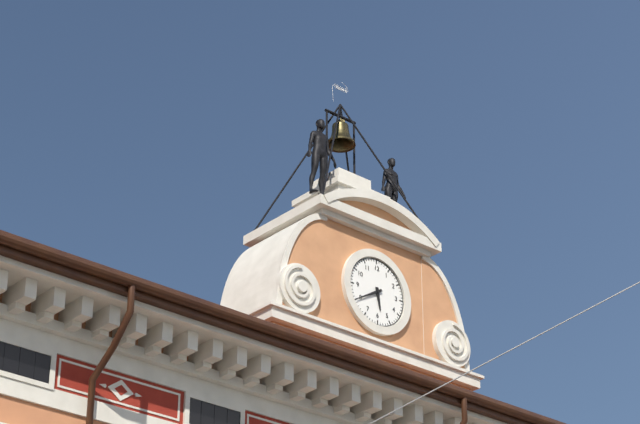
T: 5:40
